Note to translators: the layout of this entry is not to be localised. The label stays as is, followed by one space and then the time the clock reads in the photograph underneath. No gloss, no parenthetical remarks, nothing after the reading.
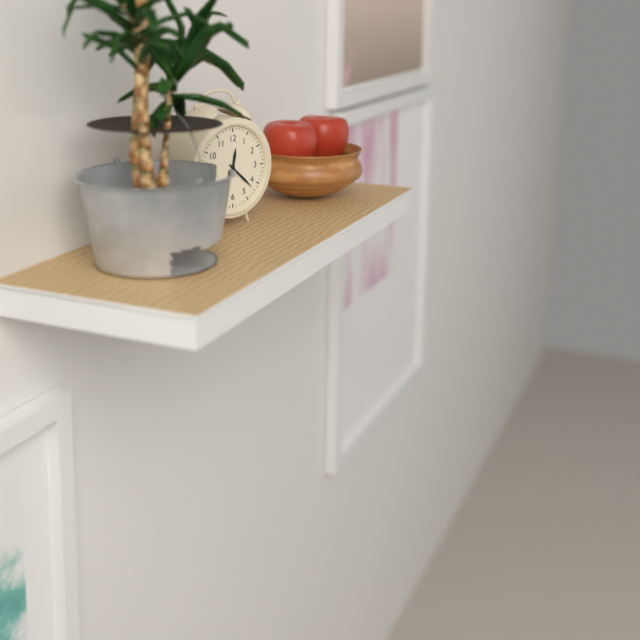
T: 12:22
